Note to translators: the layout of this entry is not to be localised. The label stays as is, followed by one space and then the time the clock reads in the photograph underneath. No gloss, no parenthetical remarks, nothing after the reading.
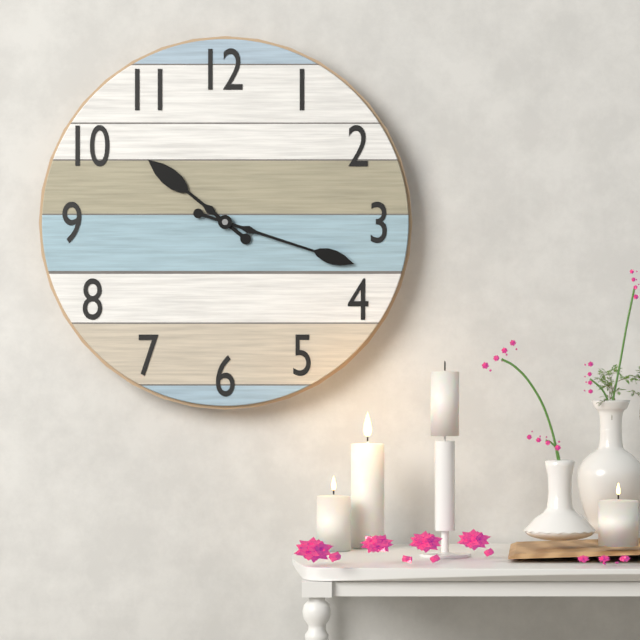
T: 10:18
